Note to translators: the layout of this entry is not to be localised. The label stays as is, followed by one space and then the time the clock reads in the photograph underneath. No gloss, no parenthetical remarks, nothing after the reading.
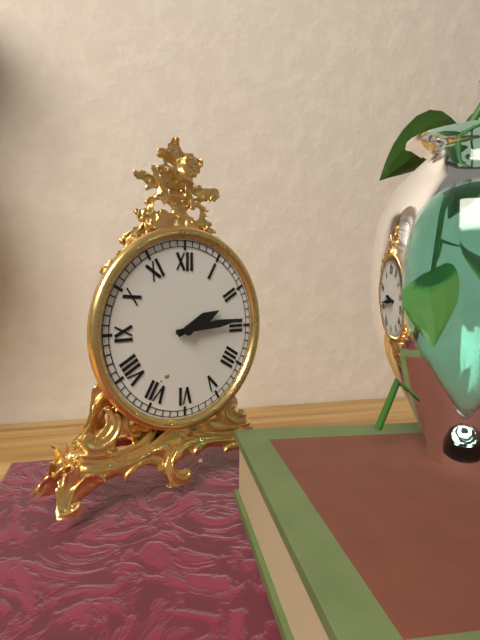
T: 2:14
